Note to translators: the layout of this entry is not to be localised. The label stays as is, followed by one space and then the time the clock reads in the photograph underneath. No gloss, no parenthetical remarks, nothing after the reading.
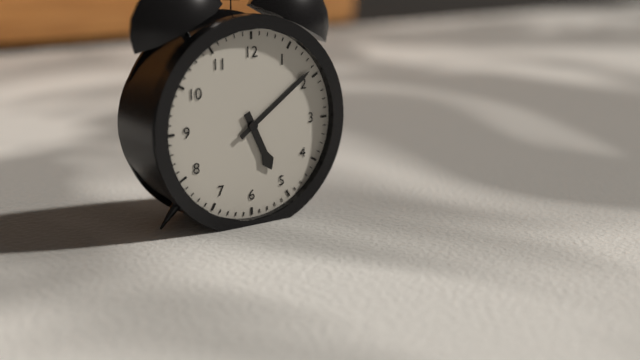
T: 5:09
